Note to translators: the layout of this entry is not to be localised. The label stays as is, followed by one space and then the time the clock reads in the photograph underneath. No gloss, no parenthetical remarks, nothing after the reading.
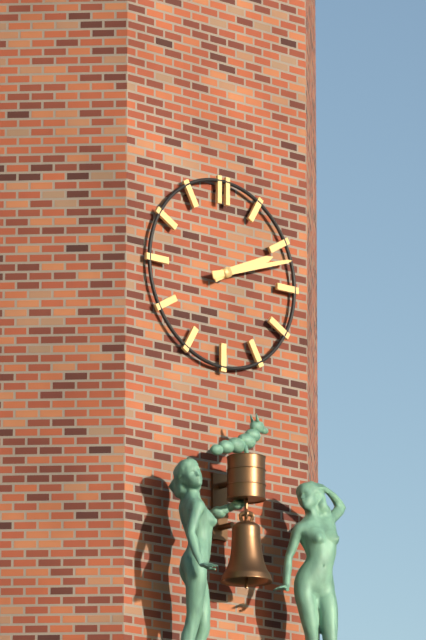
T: 2:12
